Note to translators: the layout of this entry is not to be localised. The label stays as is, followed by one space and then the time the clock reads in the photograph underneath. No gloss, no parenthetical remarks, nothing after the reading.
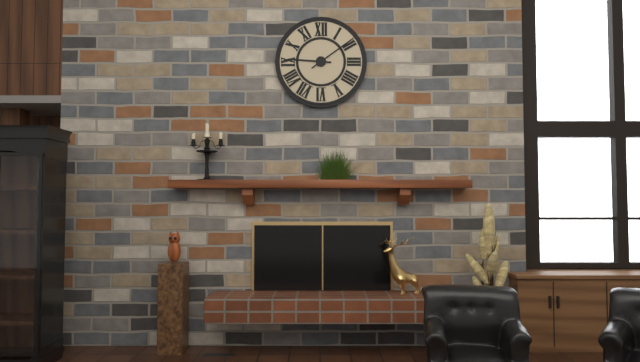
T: 9:09
